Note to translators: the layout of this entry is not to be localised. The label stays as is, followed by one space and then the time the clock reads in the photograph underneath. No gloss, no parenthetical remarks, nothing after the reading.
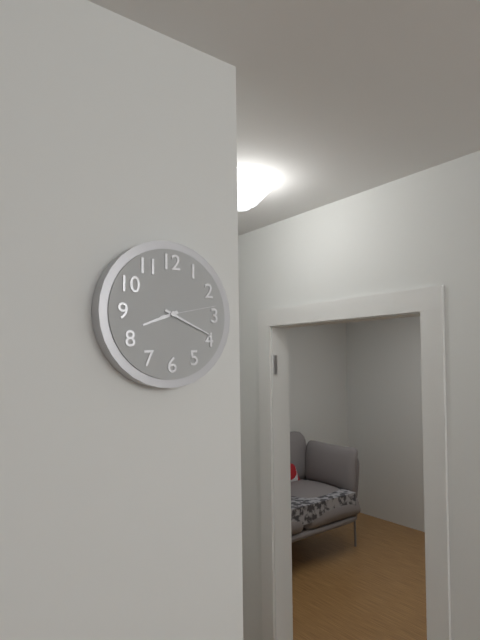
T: 8:19:13
